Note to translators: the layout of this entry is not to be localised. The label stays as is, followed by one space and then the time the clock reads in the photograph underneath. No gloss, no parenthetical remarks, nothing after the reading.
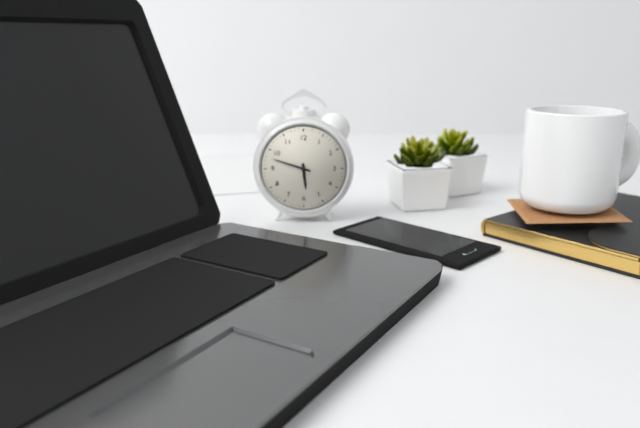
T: 5:48
